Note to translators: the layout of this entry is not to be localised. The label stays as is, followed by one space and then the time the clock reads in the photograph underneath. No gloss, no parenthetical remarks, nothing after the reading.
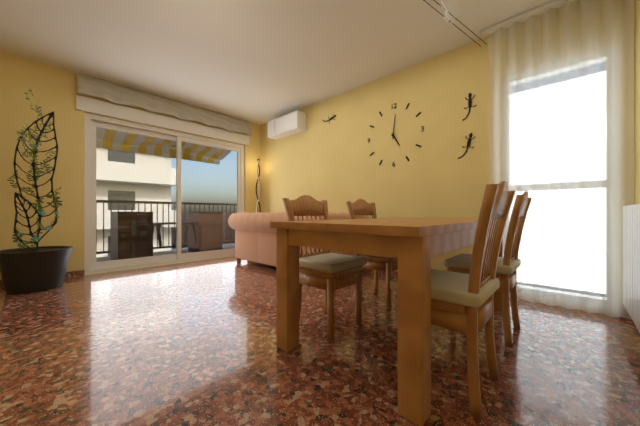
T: 5:01
